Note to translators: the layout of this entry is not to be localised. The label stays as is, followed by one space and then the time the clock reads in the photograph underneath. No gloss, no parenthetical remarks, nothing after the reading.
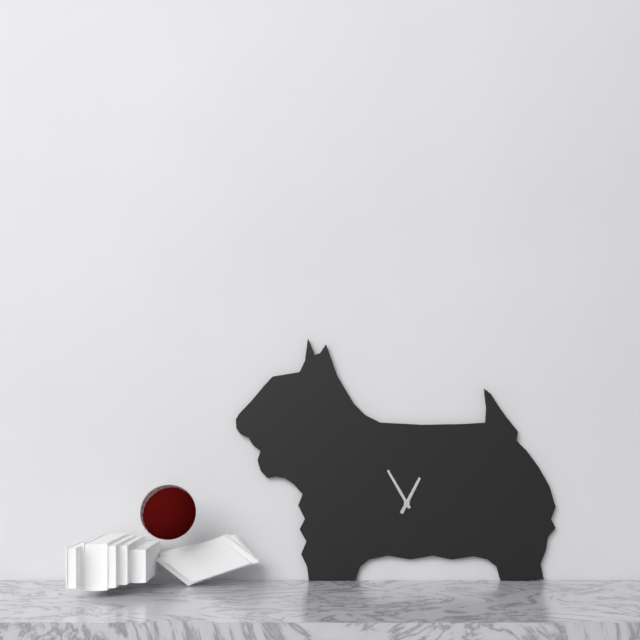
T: 12:55
